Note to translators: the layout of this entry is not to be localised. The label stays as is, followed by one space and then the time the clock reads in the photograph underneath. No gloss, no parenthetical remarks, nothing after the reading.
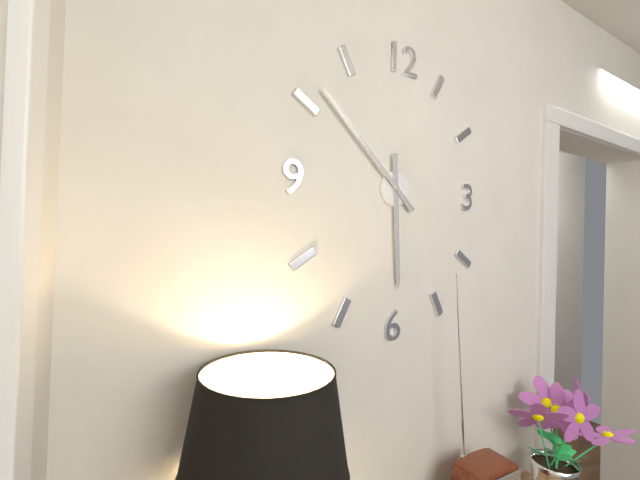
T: 5:52
